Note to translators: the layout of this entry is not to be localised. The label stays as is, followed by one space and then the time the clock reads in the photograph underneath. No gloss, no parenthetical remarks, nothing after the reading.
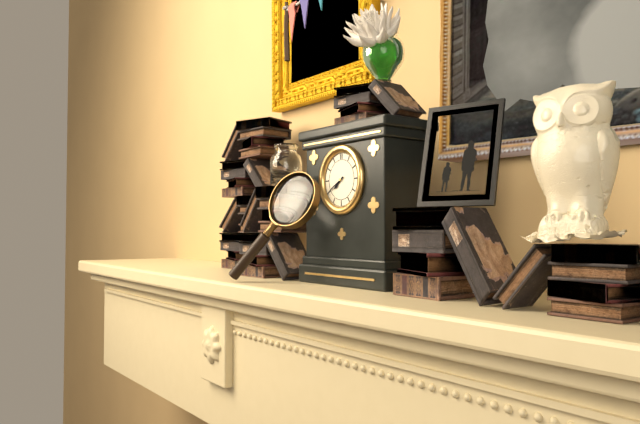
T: 7:40
